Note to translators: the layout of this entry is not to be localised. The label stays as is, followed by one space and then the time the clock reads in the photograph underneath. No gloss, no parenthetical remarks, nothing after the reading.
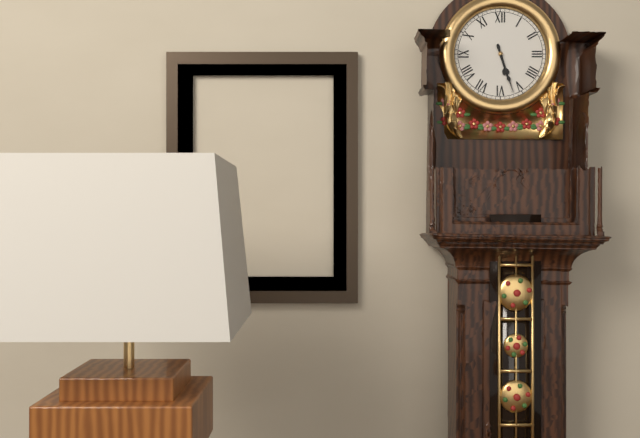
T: 5:27
